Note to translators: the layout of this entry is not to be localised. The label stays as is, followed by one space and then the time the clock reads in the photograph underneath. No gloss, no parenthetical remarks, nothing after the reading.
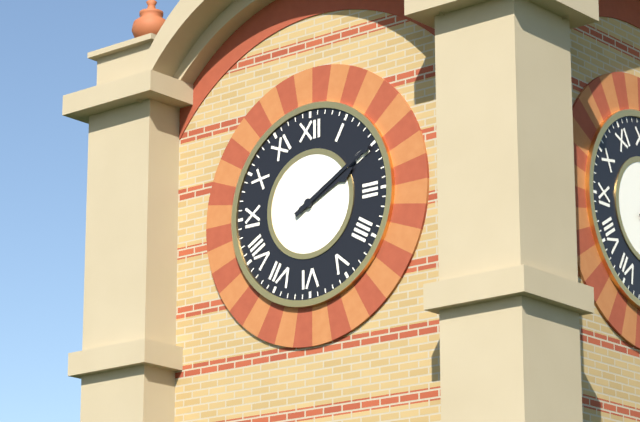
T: 2:10
